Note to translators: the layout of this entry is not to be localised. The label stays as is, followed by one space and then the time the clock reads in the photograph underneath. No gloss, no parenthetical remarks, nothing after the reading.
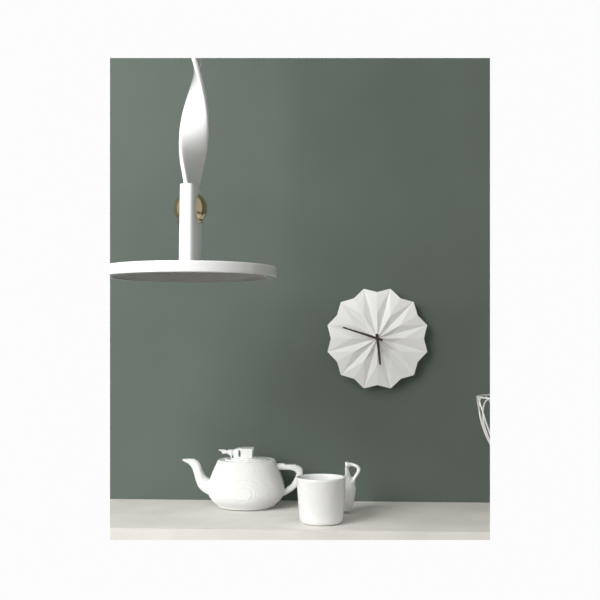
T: 5:48
